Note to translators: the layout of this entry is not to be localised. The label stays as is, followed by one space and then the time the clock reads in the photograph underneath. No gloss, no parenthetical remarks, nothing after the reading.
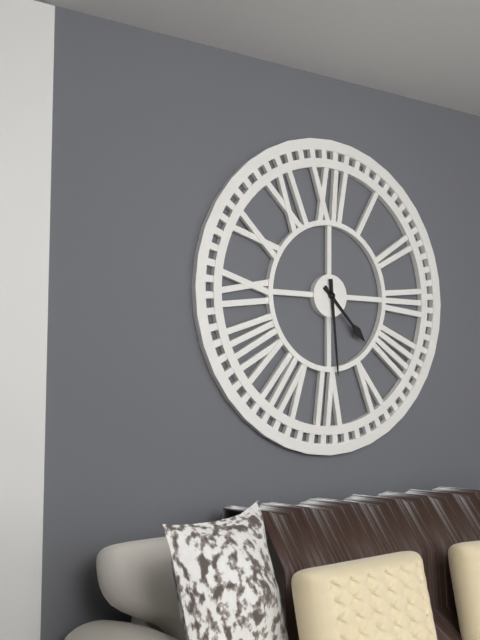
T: 4:29
